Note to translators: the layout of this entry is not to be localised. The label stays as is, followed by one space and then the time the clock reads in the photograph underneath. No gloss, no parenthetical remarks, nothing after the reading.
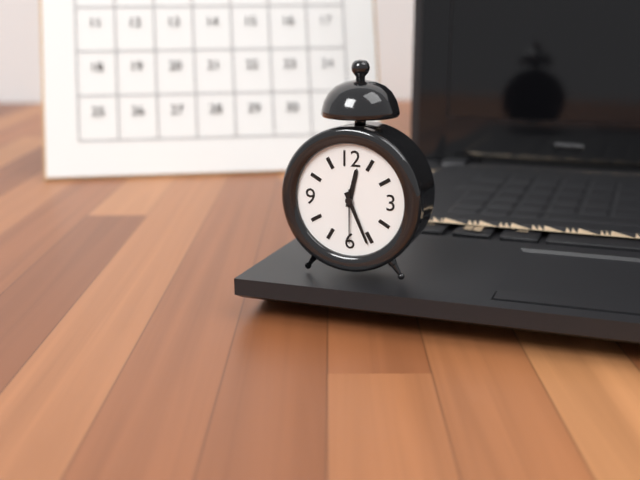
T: 12:26:30
